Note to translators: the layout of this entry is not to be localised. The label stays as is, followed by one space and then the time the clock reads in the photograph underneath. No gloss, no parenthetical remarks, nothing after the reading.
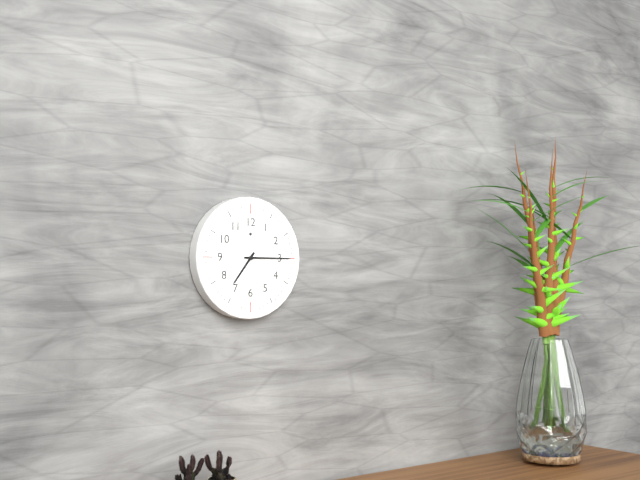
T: 7:15
